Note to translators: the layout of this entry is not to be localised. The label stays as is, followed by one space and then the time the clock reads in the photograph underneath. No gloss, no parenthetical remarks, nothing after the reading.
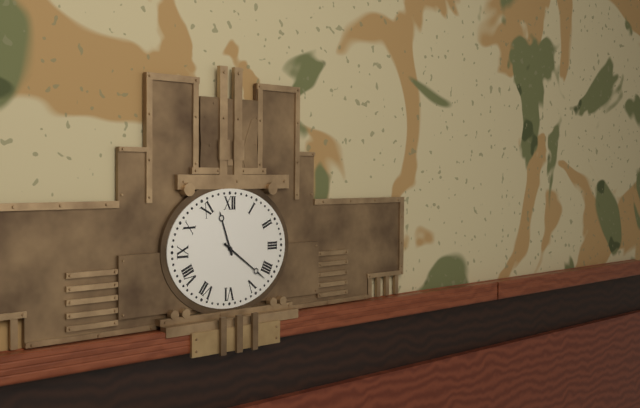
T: 11:21
